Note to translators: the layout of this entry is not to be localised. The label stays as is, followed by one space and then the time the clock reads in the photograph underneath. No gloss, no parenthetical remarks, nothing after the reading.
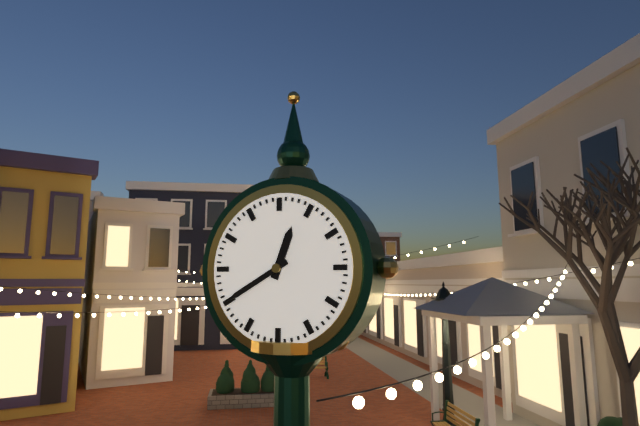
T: 12:40
